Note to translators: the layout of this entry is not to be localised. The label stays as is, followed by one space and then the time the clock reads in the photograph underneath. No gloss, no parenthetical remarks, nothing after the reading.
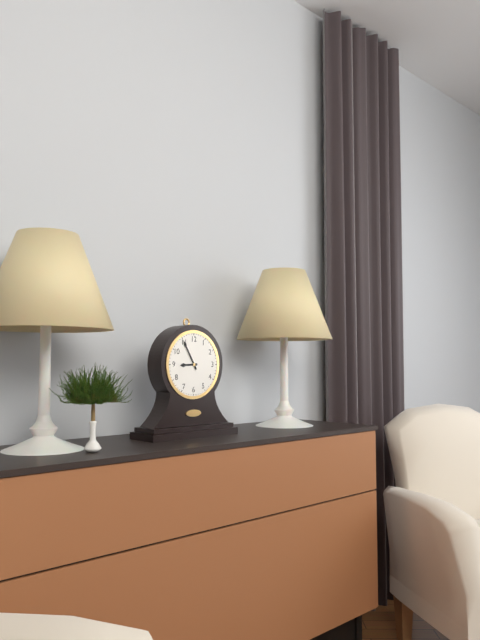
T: 8:55
